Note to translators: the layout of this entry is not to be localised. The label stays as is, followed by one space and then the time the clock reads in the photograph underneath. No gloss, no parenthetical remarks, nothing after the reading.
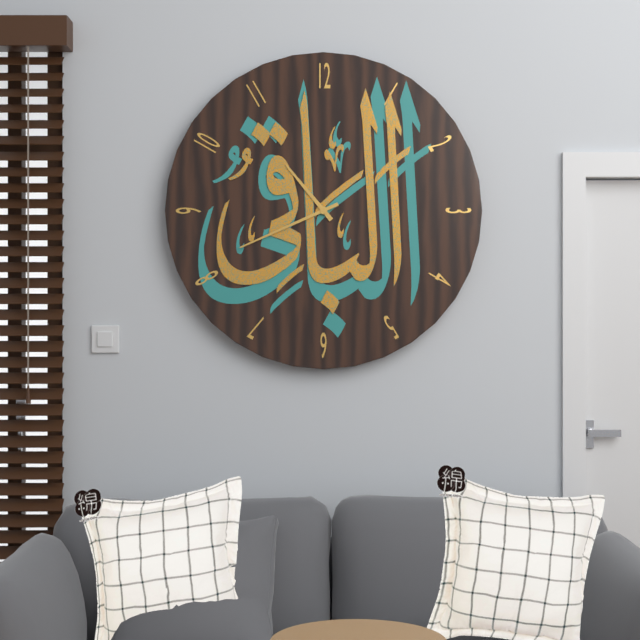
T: 10:41
